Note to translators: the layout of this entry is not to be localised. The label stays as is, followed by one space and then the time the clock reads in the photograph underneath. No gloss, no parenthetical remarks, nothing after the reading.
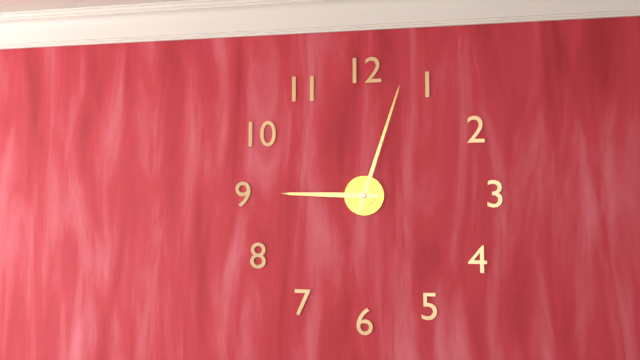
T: 9:03
